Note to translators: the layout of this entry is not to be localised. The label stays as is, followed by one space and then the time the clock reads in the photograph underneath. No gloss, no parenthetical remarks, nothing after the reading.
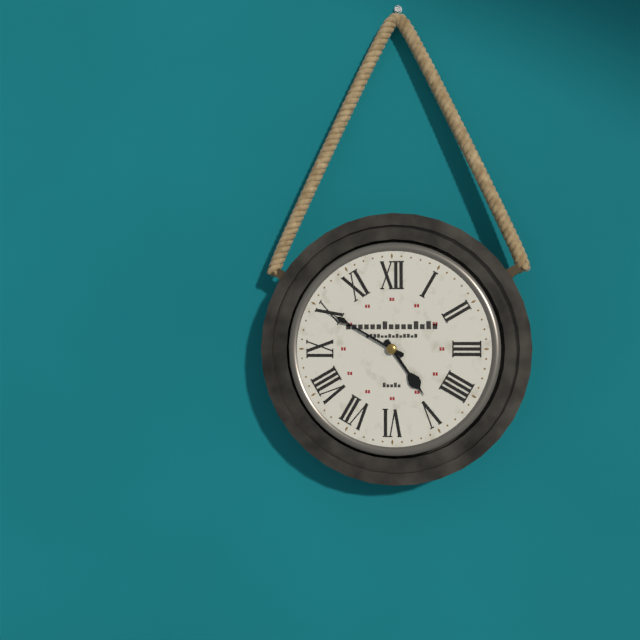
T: 4:50
